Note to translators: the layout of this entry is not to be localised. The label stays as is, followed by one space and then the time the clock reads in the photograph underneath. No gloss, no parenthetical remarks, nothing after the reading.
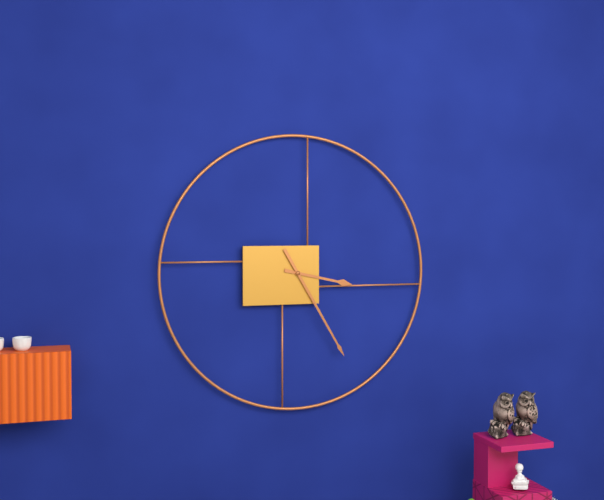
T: 3:25
